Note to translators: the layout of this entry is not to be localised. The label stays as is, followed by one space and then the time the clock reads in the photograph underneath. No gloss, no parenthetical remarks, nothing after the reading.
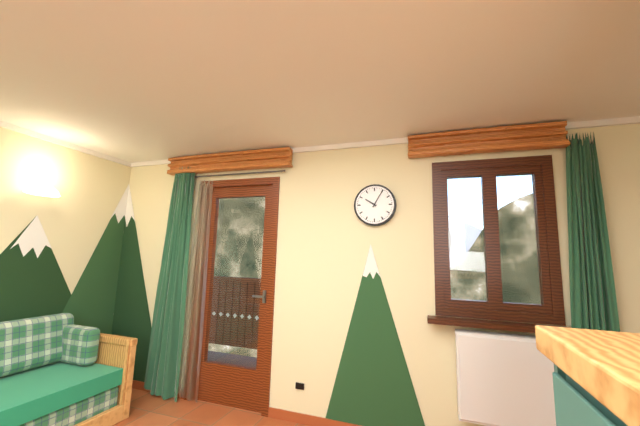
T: 10:05
